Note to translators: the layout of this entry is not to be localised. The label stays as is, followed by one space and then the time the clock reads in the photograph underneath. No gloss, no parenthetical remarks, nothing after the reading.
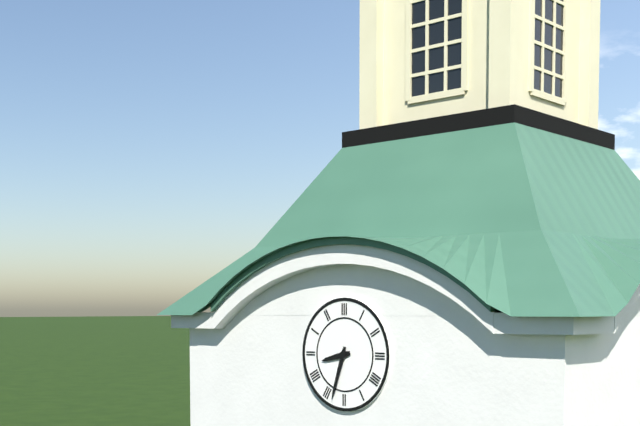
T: 8:33
